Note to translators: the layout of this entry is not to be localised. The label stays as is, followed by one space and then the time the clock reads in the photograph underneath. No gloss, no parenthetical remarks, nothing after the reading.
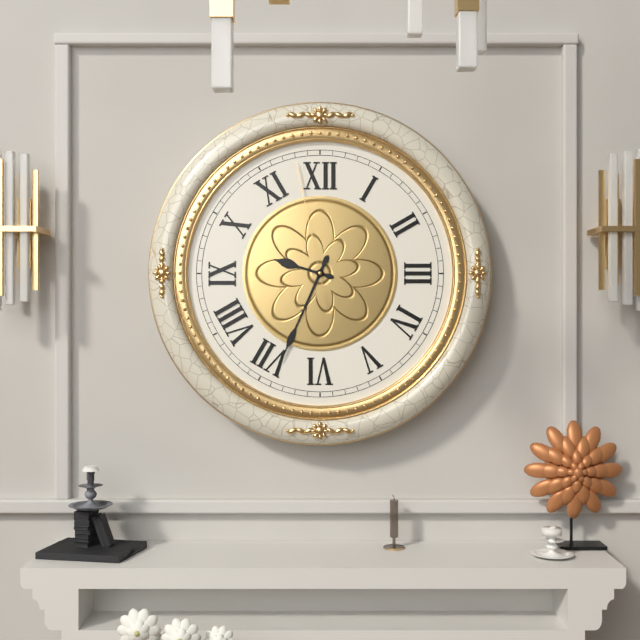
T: 9:34:58
